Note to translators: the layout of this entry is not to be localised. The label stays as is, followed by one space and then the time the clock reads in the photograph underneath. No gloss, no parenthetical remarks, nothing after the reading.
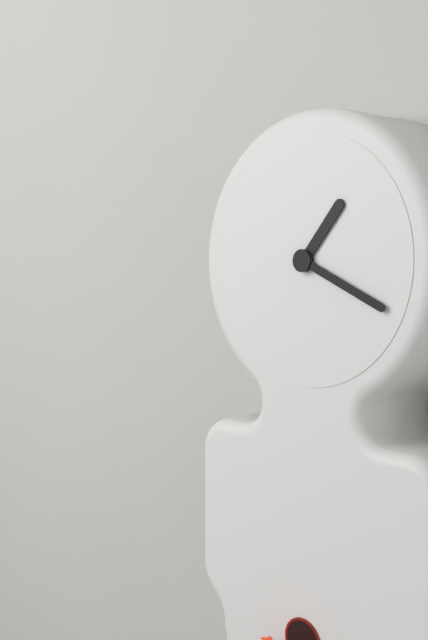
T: 1:19
